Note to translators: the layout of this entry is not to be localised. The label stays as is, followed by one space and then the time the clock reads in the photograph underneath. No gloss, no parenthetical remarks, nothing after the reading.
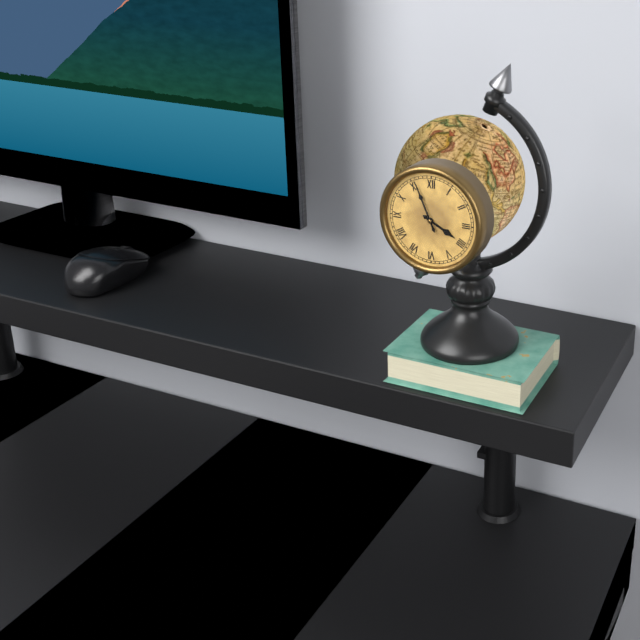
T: 3:56
